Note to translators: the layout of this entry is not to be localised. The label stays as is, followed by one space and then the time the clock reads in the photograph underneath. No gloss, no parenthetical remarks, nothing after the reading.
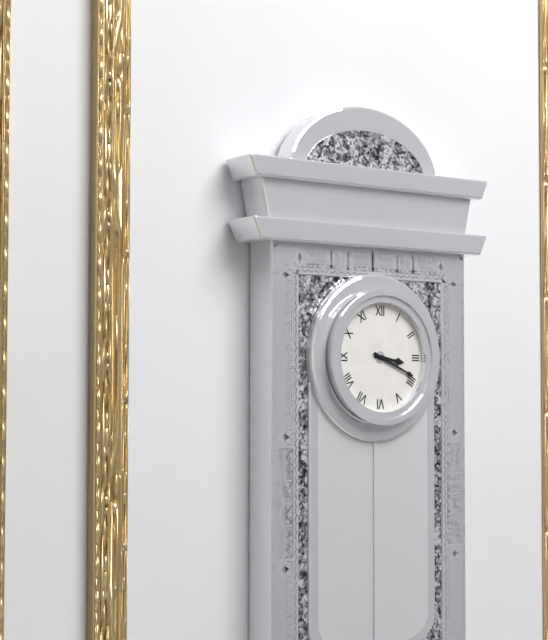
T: 3:19
